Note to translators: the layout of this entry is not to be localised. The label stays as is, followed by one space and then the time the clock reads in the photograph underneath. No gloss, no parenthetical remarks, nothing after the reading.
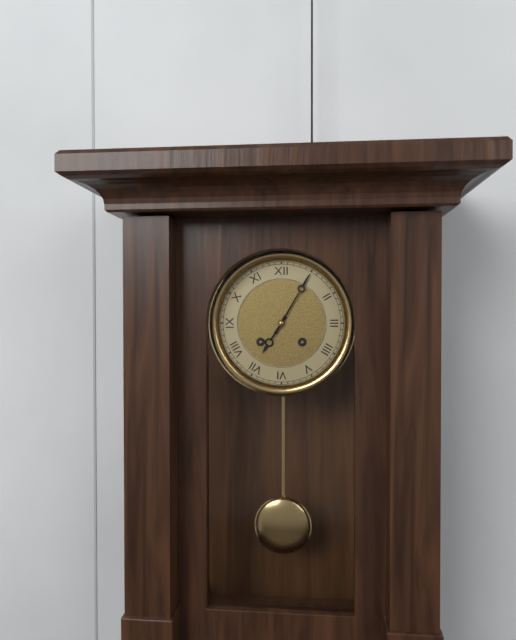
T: 7:05
